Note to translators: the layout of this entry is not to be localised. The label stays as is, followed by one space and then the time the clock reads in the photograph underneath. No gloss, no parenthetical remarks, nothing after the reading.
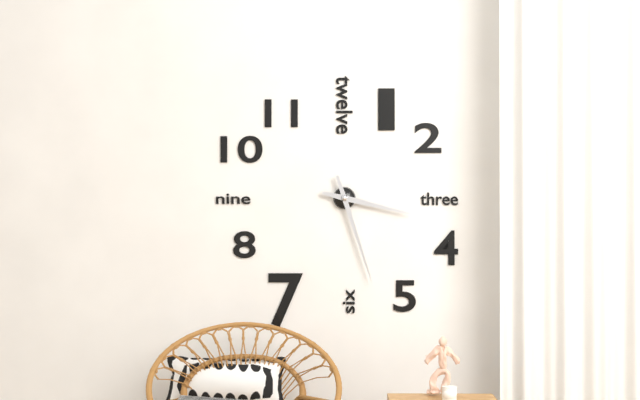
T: 3:27
